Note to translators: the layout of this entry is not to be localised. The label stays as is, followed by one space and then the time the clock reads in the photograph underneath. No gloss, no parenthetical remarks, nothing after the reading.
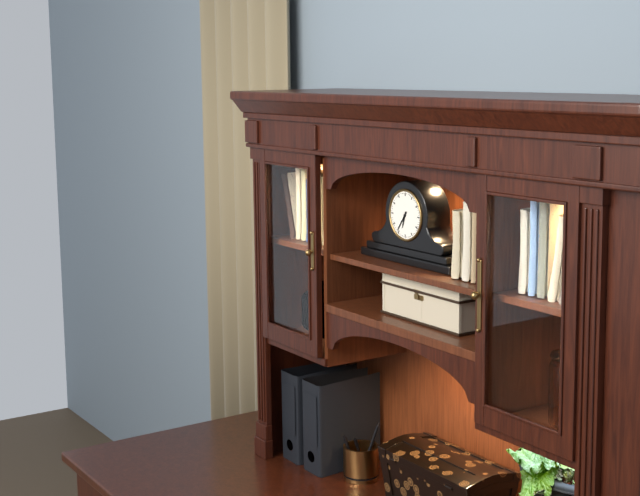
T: 6:36
